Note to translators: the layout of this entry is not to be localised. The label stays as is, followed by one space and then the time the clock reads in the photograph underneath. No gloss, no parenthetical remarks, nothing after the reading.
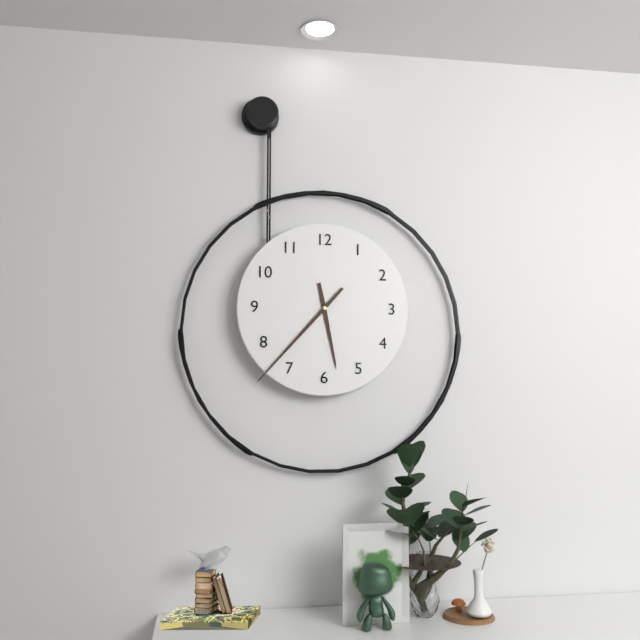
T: 5:37
